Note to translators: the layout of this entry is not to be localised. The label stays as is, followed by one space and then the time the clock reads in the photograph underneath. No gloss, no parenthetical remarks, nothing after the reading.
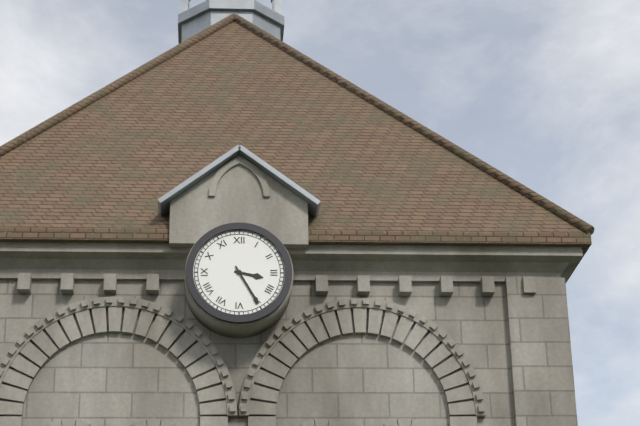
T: 3:25
